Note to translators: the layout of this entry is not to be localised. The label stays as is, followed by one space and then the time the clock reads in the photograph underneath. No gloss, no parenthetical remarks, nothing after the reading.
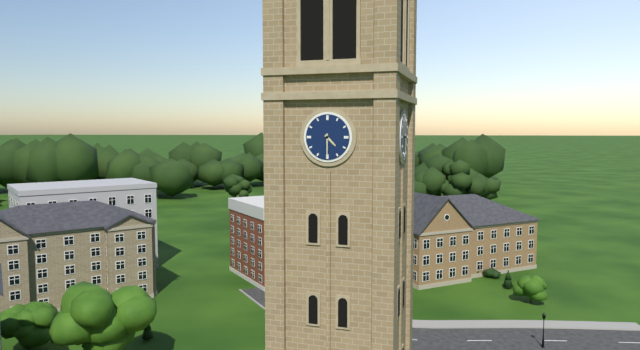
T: 4:30
